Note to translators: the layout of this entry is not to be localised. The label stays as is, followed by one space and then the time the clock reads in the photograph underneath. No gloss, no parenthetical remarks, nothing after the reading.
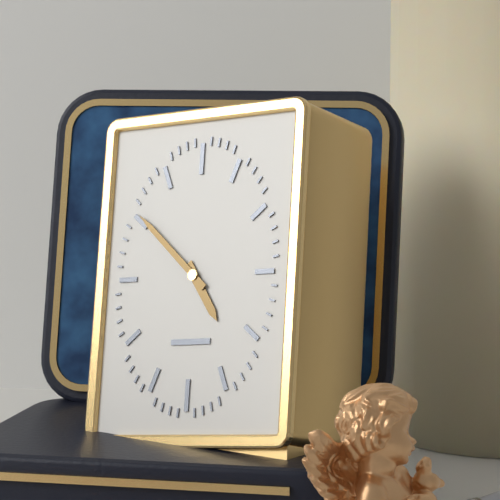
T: 4:52
